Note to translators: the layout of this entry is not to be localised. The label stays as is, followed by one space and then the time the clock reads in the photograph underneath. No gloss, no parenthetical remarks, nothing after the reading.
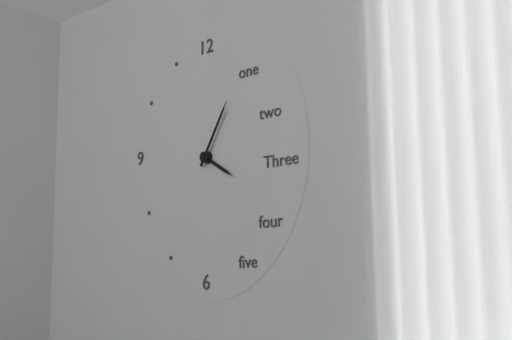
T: 4:05
